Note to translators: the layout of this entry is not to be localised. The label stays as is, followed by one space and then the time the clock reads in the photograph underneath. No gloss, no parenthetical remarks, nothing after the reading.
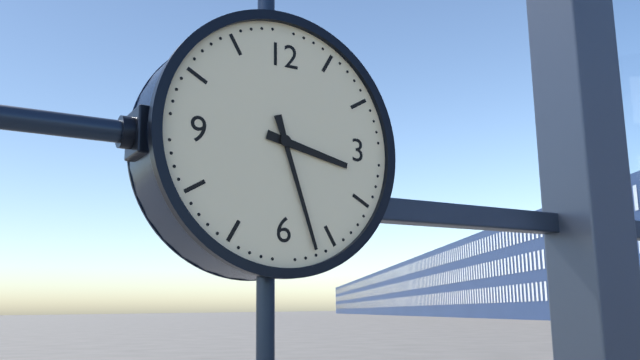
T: 3:27
